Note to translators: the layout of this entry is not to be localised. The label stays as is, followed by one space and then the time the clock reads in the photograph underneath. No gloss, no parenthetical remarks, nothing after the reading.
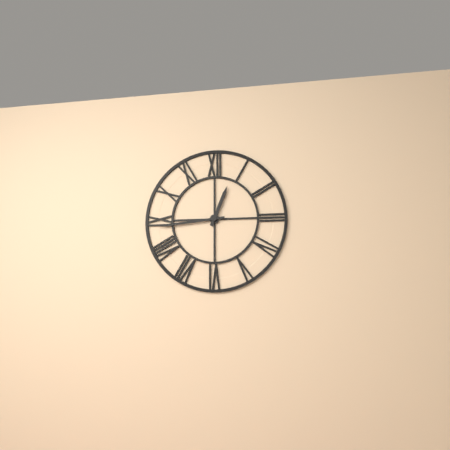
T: 12:44
